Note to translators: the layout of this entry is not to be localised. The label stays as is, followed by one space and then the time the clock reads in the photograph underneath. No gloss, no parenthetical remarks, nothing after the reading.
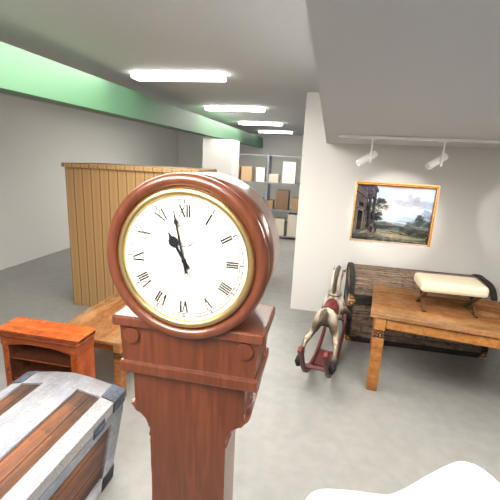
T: 10:58
